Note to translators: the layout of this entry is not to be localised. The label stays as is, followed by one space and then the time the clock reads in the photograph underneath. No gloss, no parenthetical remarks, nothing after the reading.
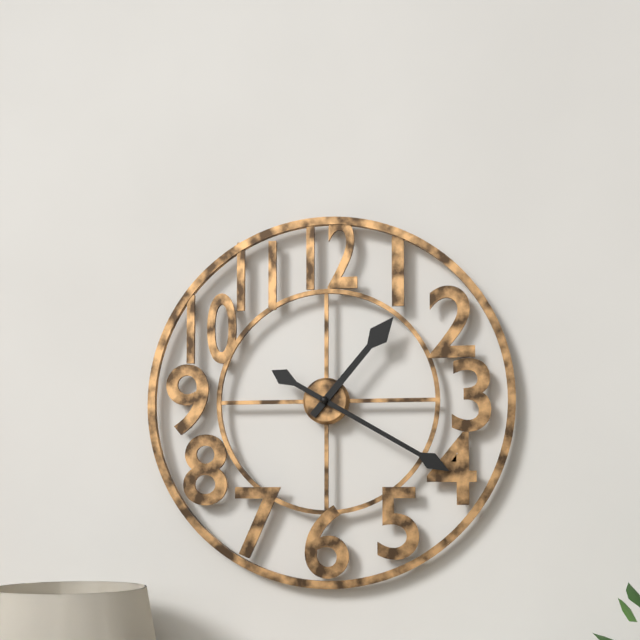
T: 1:20
